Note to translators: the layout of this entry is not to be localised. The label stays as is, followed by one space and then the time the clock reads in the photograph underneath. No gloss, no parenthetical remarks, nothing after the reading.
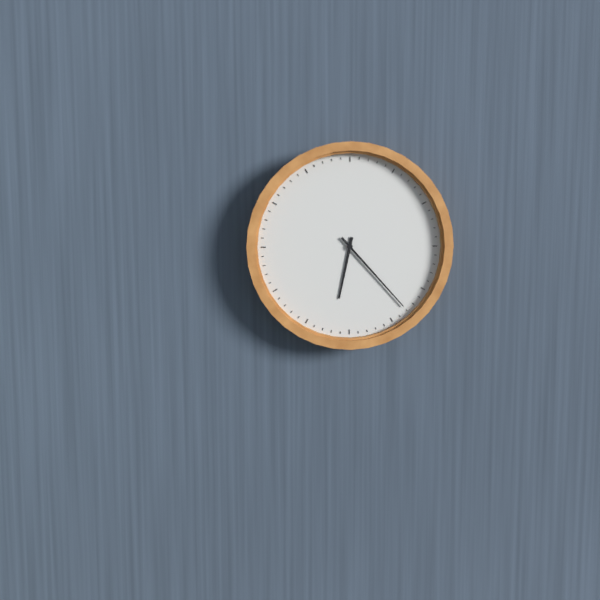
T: 6:23
